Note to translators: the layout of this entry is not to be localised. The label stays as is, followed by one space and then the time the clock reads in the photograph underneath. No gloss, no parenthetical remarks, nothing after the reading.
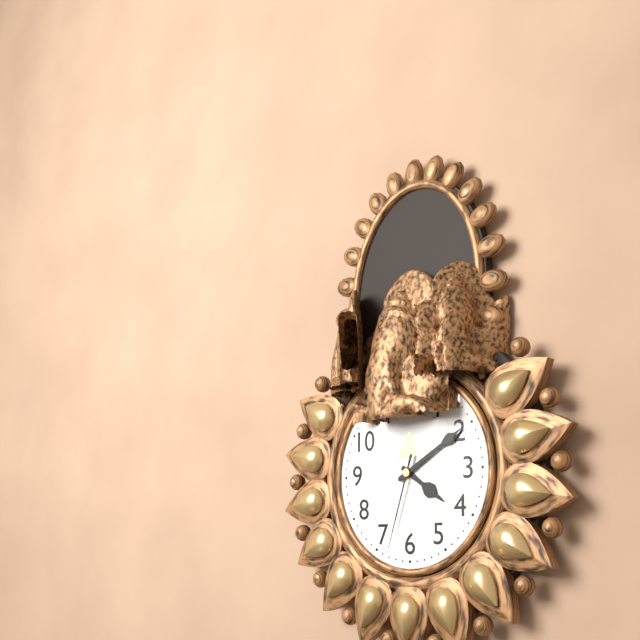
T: 4:10:33
